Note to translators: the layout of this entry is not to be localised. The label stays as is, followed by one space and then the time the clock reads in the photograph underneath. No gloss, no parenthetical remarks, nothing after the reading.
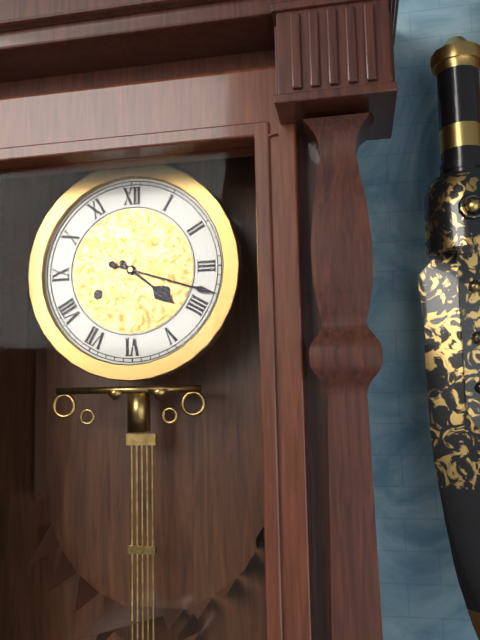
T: 4:18
